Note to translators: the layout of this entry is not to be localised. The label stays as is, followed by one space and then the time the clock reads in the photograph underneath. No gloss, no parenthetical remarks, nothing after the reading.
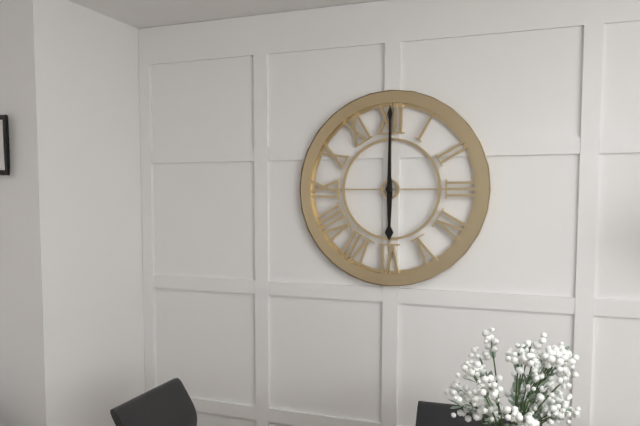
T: 6:00
